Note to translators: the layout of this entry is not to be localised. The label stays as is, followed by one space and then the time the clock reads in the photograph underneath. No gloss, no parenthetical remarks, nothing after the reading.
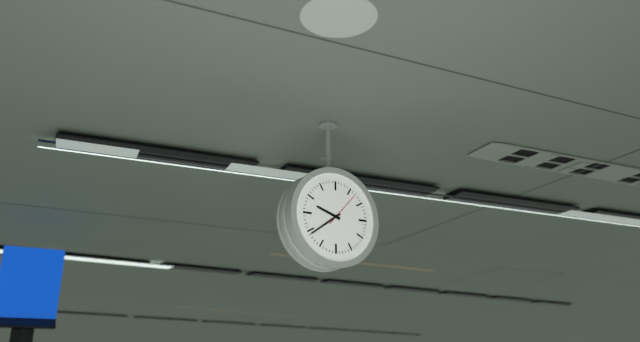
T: 9:39
